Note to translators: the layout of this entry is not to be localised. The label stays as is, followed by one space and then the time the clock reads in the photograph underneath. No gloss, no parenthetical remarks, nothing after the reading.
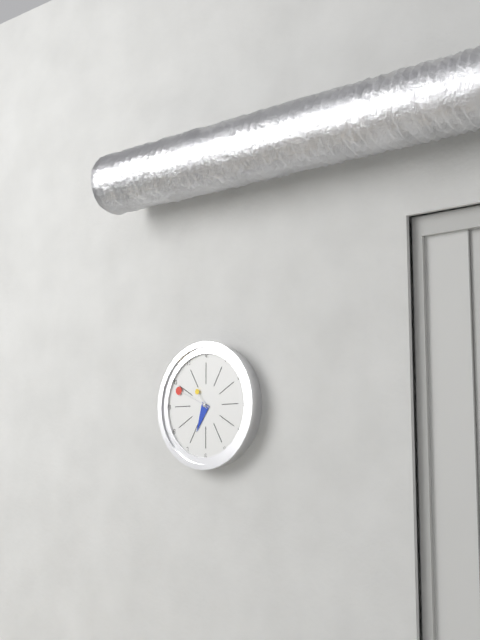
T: 6:49
